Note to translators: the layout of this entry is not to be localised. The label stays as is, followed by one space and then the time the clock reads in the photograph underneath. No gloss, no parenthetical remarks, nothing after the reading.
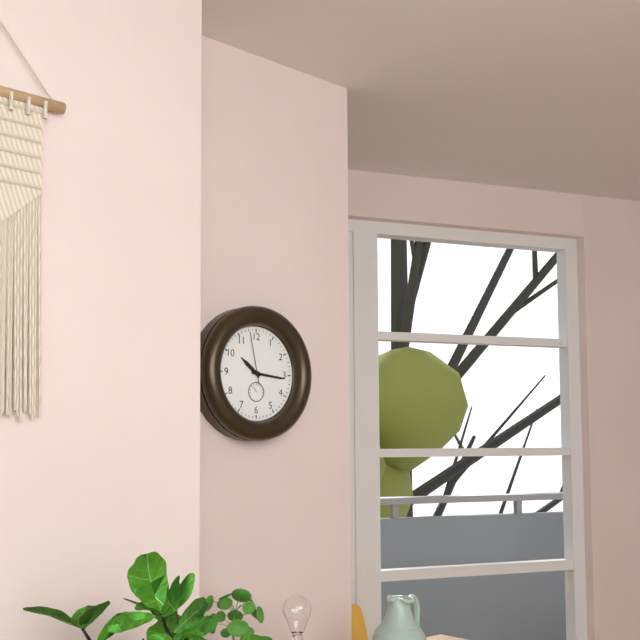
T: 10:16:58
